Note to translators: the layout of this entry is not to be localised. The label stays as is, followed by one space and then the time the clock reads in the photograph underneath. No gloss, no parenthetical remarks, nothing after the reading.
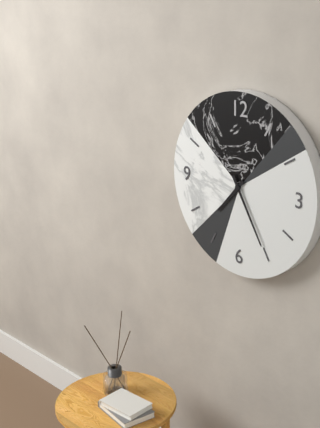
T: 7:25
